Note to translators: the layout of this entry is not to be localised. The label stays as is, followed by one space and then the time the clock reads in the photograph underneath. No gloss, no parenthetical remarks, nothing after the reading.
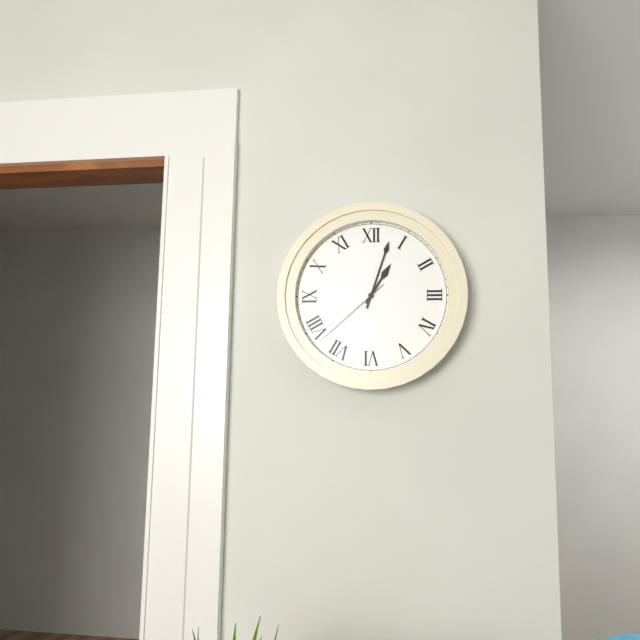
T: 1:03:38
